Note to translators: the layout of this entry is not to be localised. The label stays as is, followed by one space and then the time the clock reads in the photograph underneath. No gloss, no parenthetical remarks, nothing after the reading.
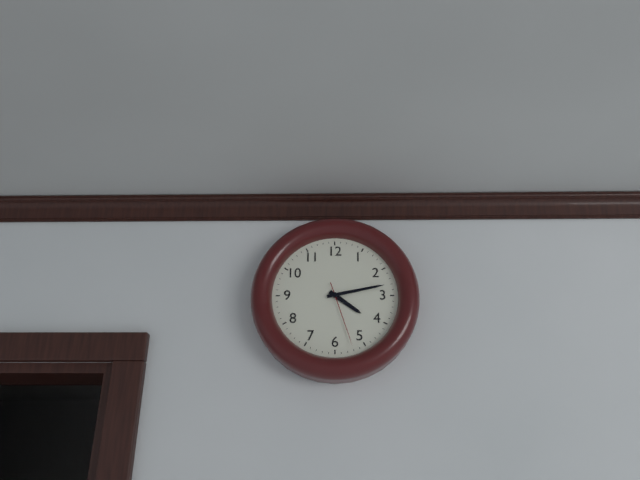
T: 4:13:27
